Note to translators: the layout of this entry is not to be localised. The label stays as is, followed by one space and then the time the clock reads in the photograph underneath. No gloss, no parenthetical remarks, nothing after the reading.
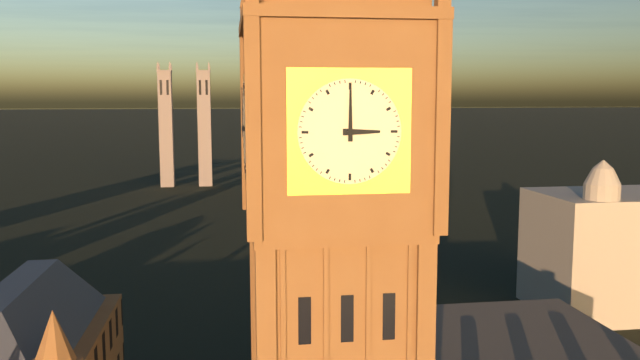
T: 3:00
